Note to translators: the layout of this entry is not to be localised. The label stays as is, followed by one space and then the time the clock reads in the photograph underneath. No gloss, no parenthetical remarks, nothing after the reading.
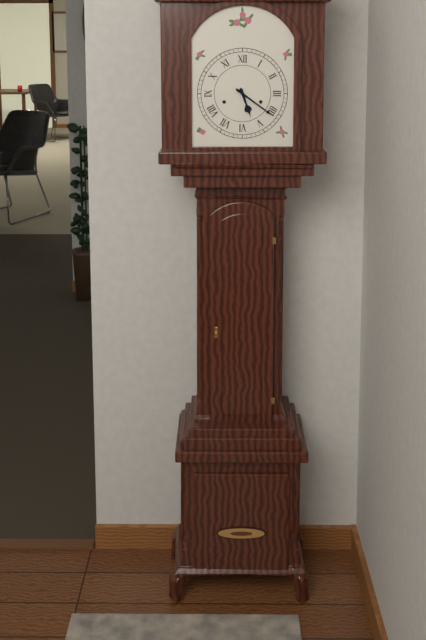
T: 5:21
